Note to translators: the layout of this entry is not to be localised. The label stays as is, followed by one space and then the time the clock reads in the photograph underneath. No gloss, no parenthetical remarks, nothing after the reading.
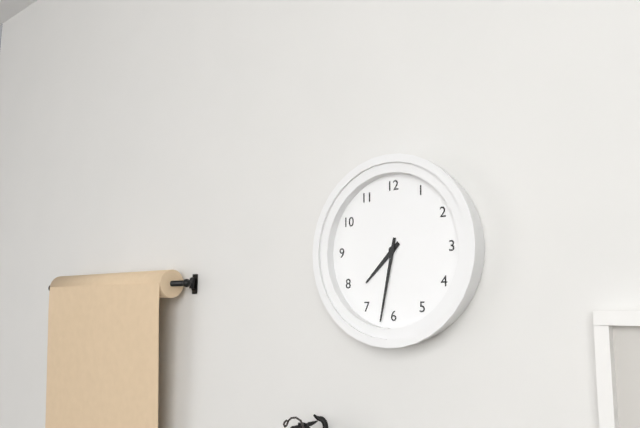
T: 7:32
